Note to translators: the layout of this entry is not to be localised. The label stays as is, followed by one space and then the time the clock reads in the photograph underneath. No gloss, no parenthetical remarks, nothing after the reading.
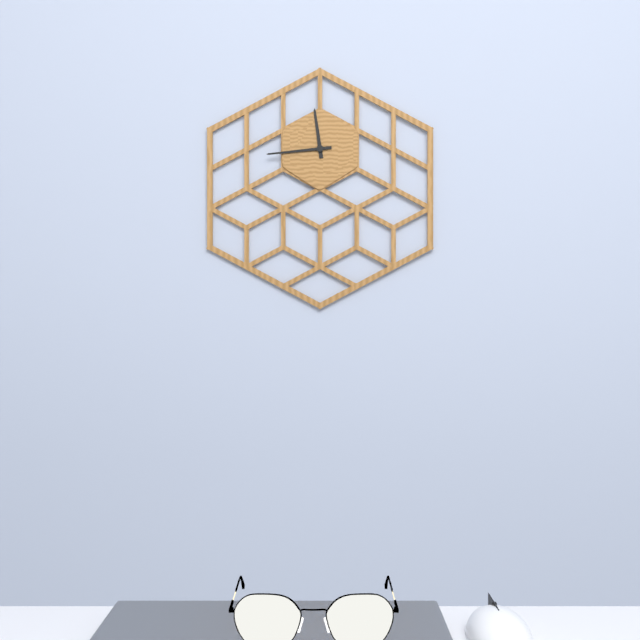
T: 11:44
